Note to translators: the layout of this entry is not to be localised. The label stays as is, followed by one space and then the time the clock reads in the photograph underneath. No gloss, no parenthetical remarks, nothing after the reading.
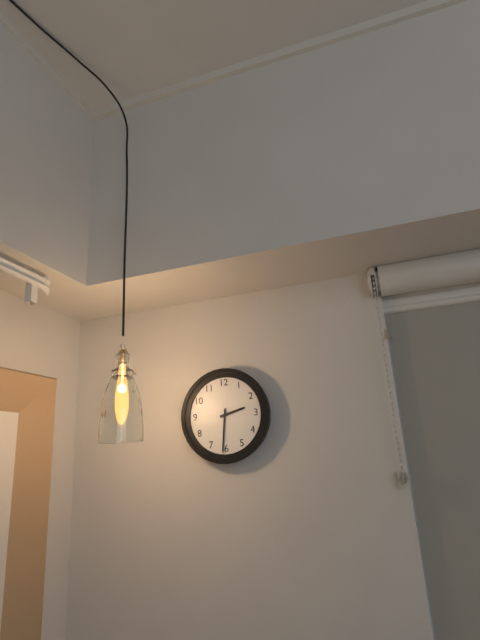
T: 2:31
